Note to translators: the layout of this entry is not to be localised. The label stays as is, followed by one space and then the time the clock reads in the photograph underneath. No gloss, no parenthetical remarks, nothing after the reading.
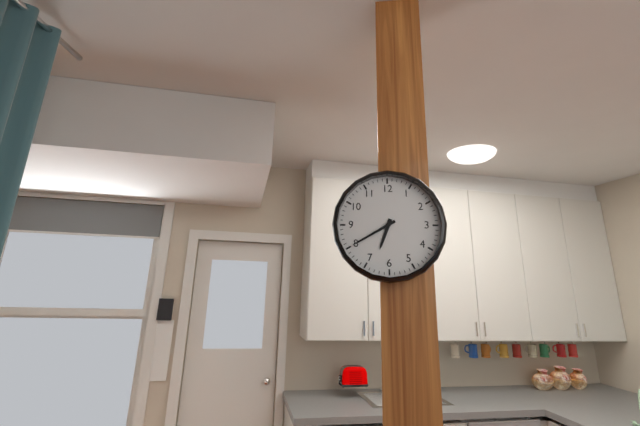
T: 6:40
